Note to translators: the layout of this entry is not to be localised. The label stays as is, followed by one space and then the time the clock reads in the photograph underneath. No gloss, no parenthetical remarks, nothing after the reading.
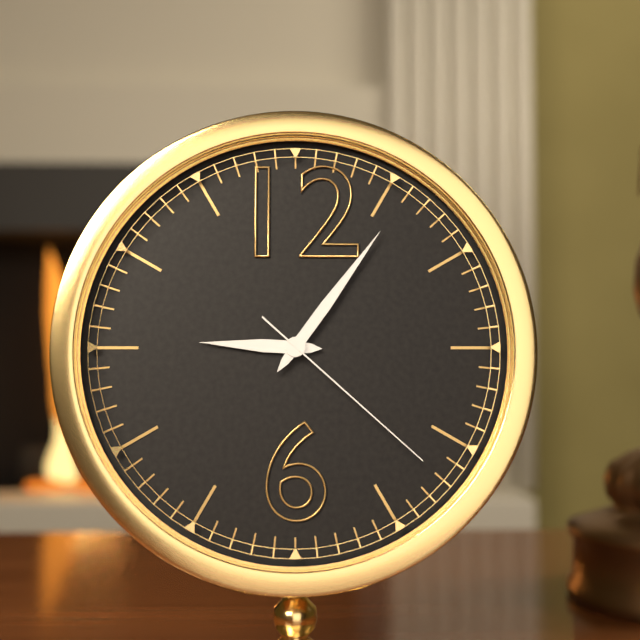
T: 9:06:22
